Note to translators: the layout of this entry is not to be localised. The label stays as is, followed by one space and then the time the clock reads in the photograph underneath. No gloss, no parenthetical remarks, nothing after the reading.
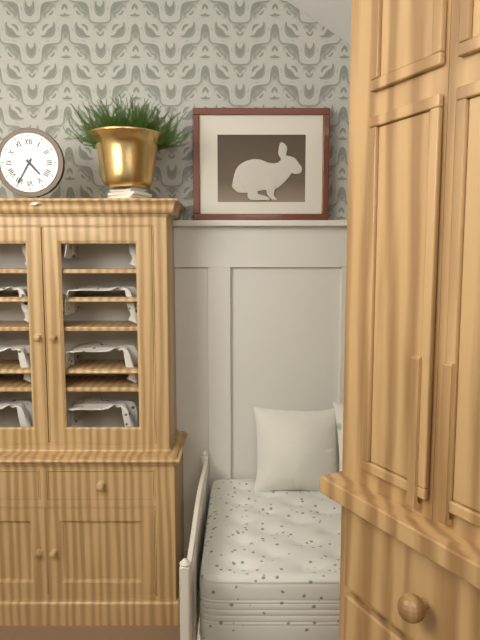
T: 4:35
